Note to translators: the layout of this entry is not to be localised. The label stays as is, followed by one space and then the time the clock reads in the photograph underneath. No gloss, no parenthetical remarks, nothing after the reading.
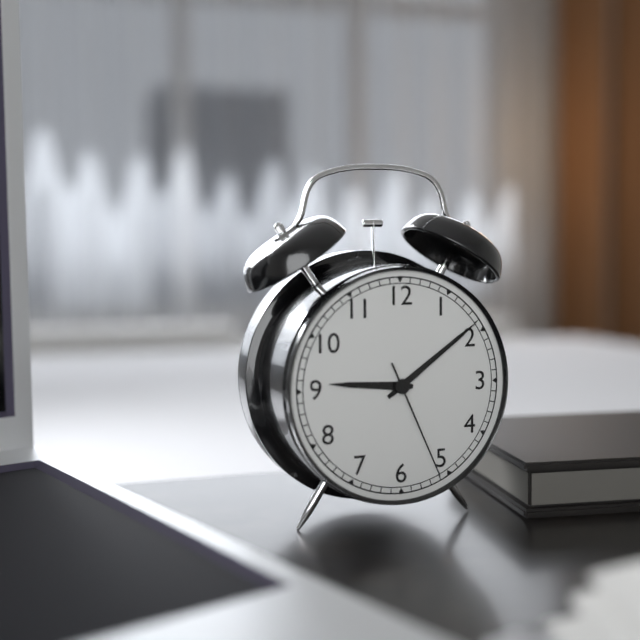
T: 9:09:26
